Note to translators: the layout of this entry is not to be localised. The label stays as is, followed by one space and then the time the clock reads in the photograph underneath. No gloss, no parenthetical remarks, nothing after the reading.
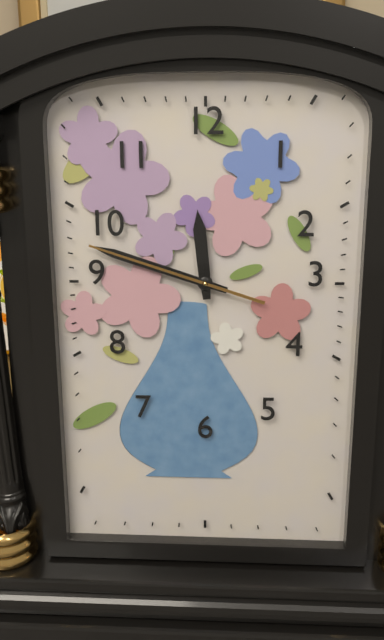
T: 11:48:48
